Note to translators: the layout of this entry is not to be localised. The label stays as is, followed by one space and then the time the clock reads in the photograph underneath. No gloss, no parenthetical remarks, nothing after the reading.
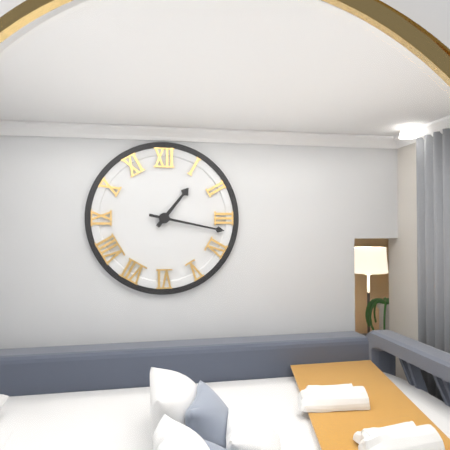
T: 1:17
